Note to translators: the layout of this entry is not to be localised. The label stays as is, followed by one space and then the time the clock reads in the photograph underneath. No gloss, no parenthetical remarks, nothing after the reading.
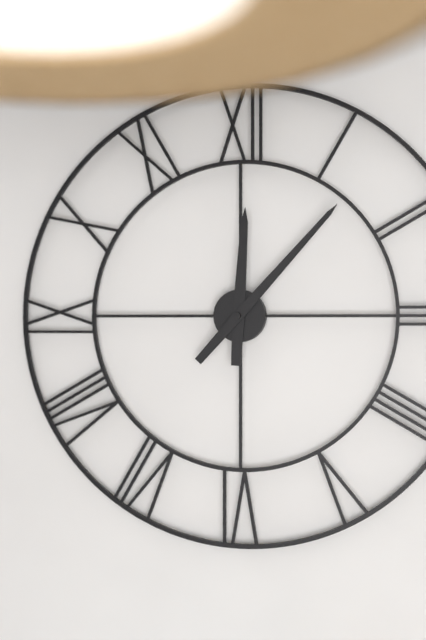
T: 12:07
